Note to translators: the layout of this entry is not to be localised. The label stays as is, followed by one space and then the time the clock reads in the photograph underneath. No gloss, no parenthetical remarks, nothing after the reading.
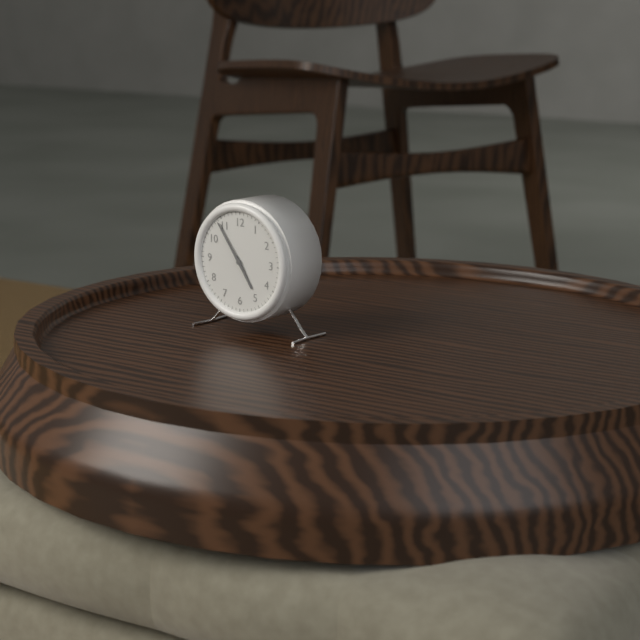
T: 4:54
